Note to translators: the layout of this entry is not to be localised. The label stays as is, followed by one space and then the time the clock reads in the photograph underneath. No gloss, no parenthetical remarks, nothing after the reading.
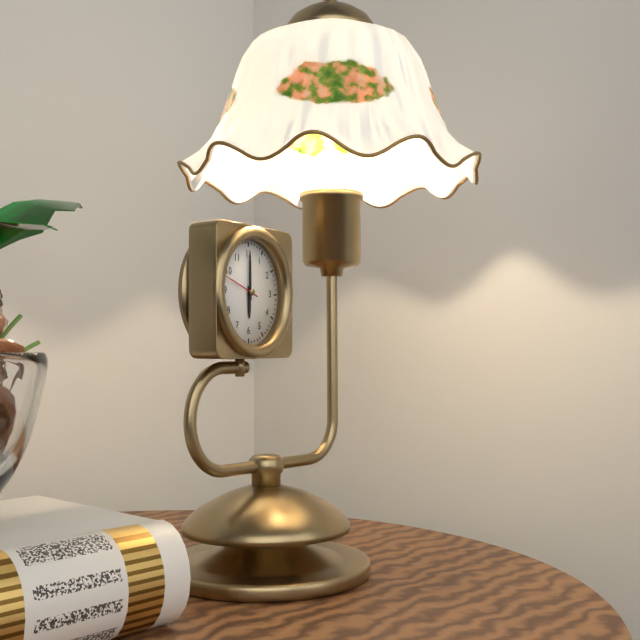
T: 6:00
